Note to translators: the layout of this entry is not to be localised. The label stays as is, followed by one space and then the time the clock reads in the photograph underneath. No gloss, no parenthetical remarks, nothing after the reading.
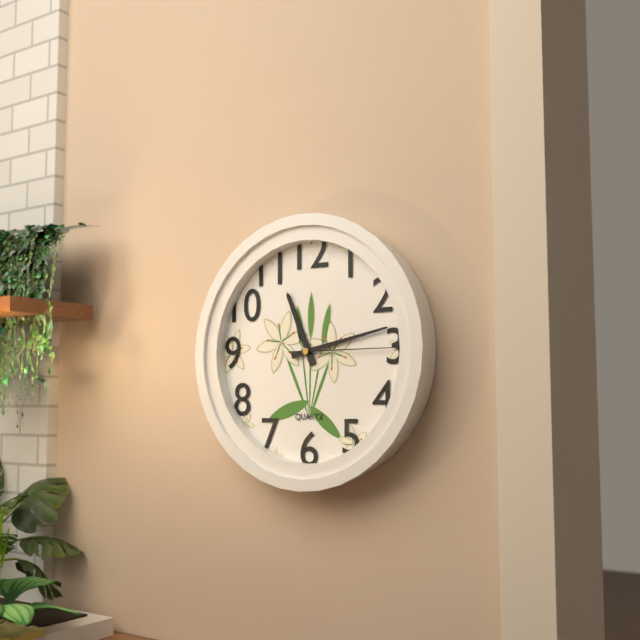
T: 11:13:15
